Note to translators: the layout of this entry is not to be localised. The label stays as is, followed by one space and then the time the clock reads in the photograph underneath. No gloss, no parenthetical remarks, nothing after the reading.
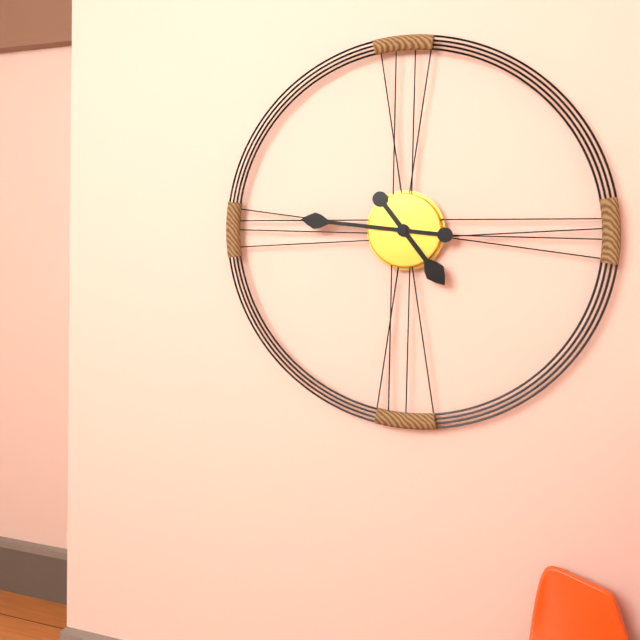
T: 4:46
